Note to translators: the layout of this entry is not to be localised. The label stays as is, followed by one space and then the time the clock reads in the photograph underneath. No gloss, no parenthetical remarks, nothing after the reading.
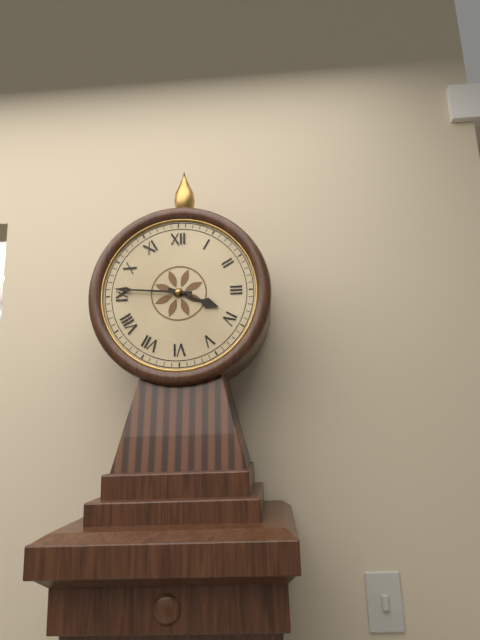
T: 3:46
